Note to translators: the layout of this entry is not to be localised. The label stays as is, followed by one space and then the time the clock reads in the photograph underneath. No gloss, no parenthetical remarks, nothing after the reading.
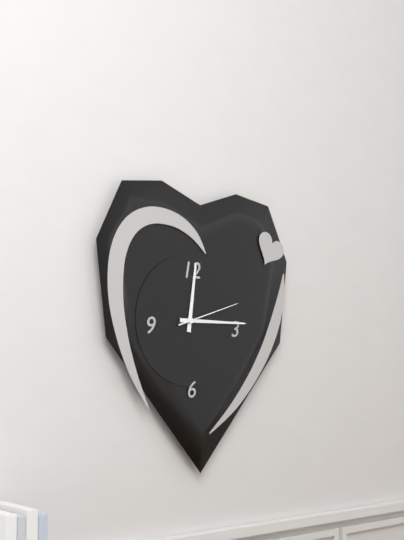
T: 12:15:12
